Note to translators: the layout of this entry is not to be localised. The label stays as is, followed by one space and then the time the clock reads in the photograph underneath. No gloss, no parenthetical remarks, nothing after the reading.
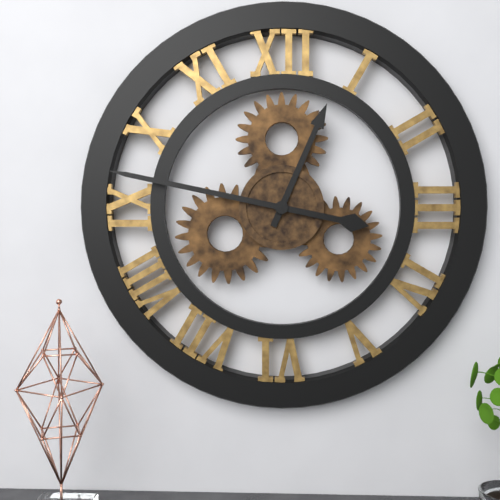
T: 12:47
